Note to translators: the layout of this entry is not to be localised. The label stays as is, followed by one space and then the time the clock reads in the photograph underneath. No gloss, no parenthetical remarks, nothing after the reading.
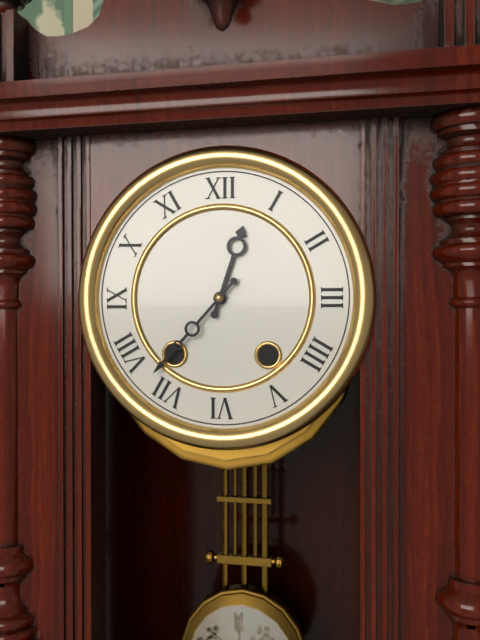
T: 12:37
